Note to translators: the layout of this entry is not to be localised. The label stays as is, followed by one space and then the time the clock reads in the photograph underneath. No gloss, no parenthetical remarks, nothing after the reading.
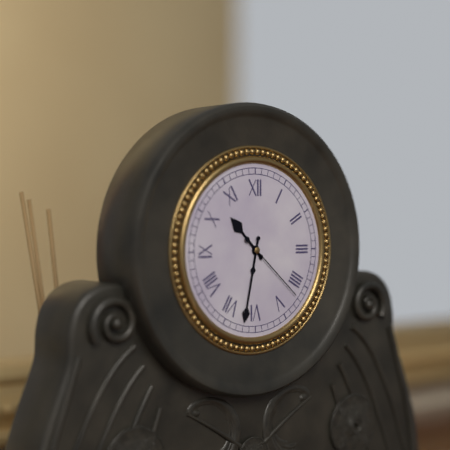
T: 10:32:22
